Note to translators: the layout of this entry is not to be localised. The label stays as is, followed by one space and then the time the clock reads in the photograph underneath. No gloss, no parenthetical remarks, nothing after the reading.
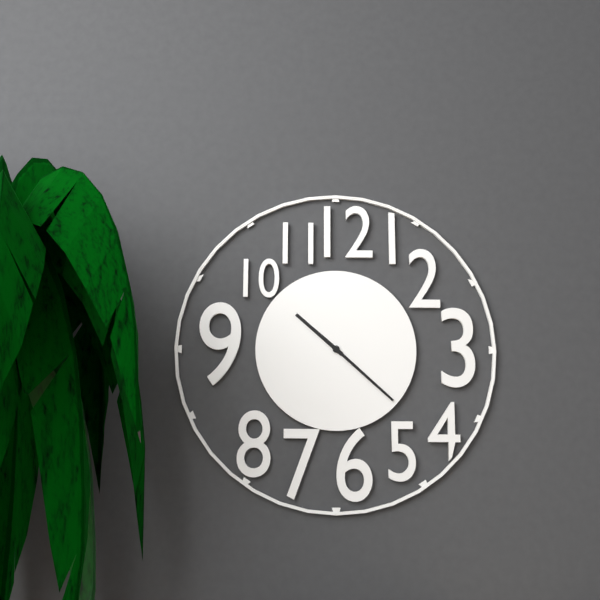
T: 10:22
